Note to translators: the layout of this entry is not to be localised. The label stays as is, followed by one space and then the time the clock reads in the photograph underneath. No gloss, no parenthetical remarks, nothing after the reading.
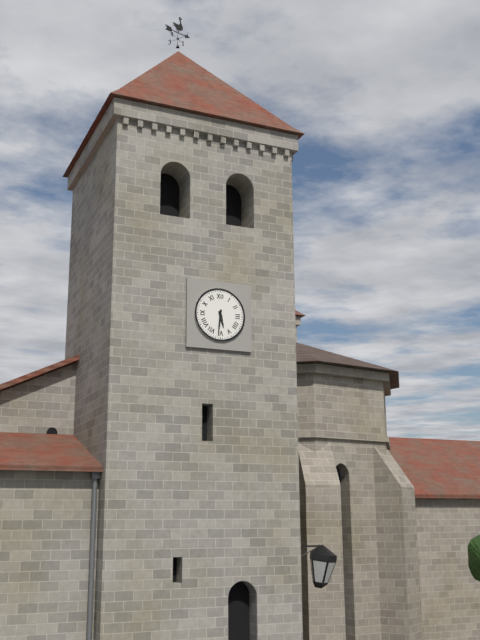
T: 5:31
